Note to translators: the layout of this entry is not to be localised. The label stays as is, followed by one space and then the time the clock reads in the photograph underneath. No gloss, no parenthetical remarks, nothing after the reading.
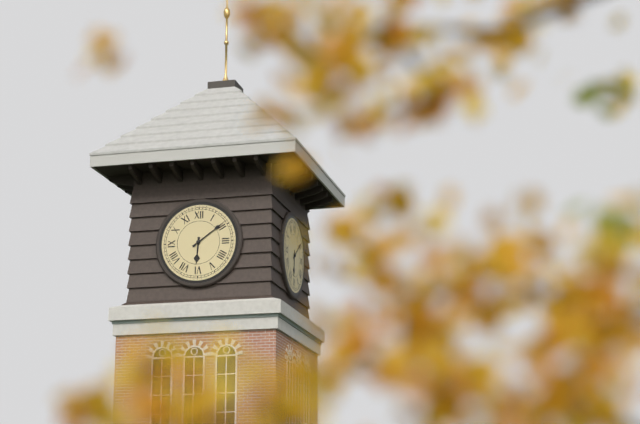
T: 6:09
